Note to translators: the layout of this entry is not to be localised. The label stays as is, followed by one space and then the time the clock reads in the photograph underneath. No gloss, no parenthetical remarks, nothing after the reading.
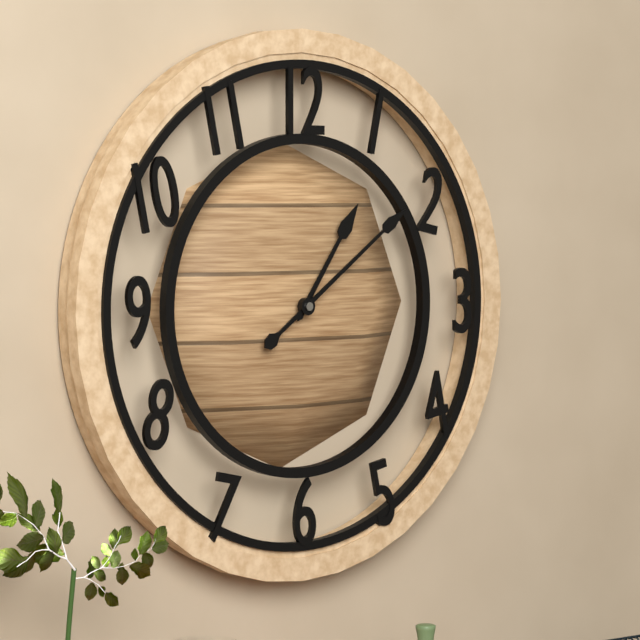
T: 1:09
